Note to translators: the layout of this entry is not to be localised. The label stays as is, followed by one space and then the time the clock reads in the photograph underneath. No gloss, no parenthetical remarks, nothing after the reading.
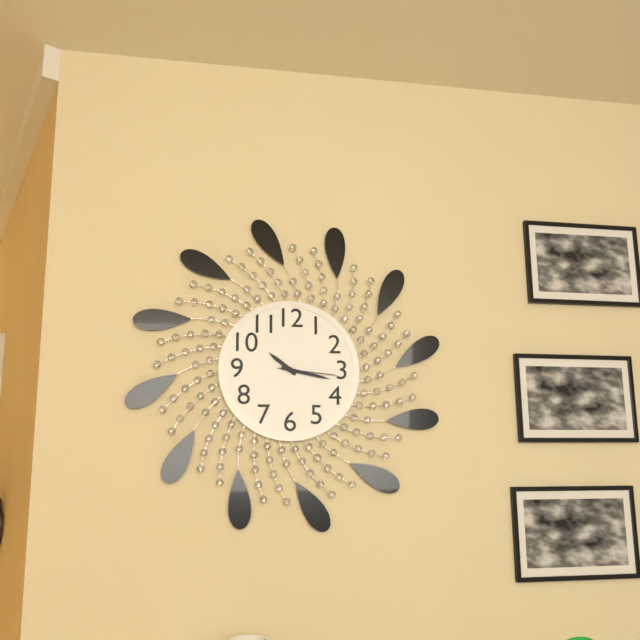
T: 10:17:16
